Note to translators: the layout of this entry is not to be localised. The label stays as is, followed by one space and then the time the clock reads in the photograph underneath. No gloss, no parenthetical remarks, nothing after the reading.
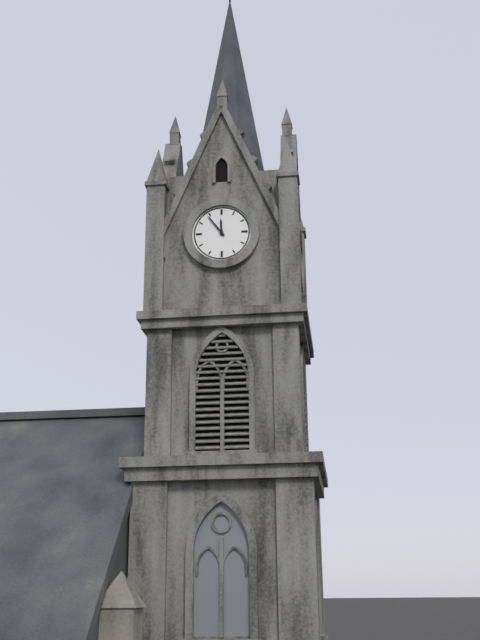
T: 11:54
